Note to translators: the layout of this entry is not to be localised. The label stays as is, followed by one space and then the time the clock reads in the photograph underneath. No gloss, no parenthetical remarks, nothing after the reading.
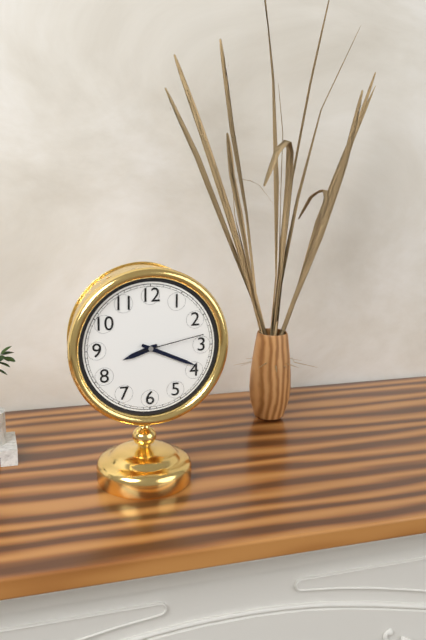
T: 8:19:13
